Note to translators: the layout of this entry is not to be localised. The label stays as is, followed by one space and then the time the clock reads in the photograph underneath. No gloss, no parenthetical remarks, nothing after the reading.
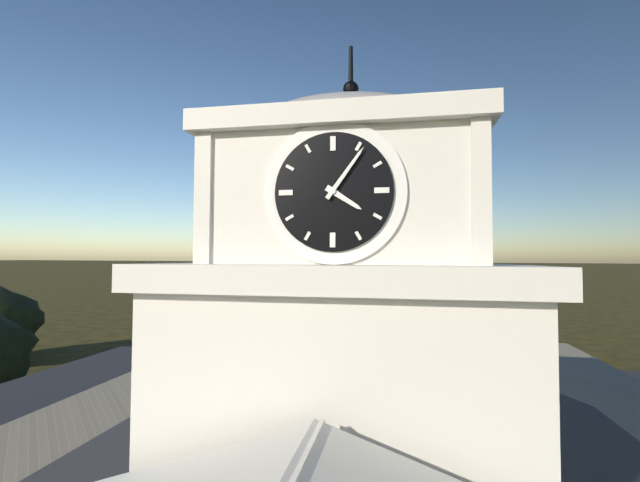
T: 4:06
